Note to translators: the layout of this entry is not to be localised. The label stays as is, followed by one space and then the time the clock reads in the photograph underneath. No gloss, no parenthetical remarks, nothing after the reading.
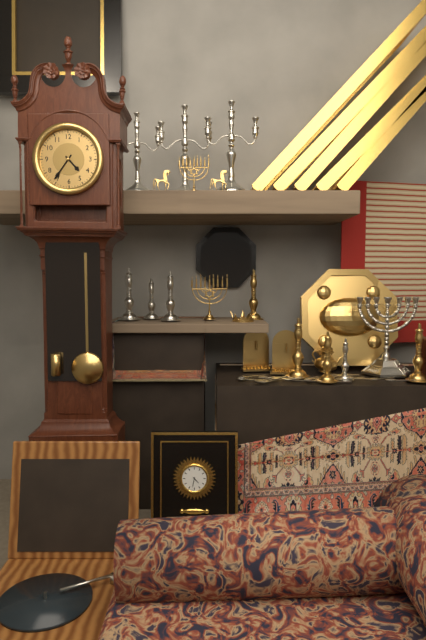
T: 4:36
